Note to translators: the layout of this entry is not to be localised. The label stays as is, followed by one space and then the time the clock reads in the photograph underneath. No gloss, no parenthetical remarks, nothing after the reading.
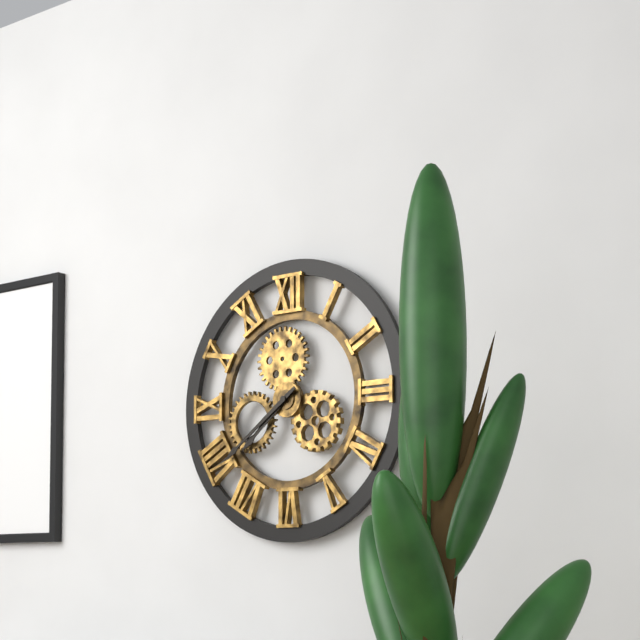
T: 7:39
